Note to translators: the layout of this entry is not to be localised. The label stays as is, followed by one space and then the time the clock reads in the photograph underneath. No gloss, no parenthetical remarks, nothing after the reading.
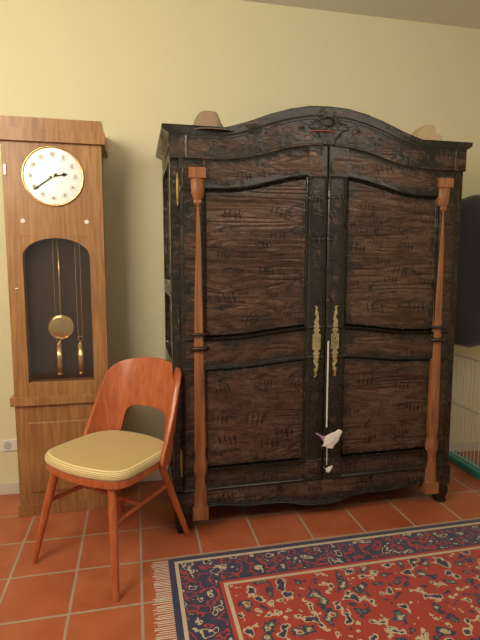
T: 2:39
